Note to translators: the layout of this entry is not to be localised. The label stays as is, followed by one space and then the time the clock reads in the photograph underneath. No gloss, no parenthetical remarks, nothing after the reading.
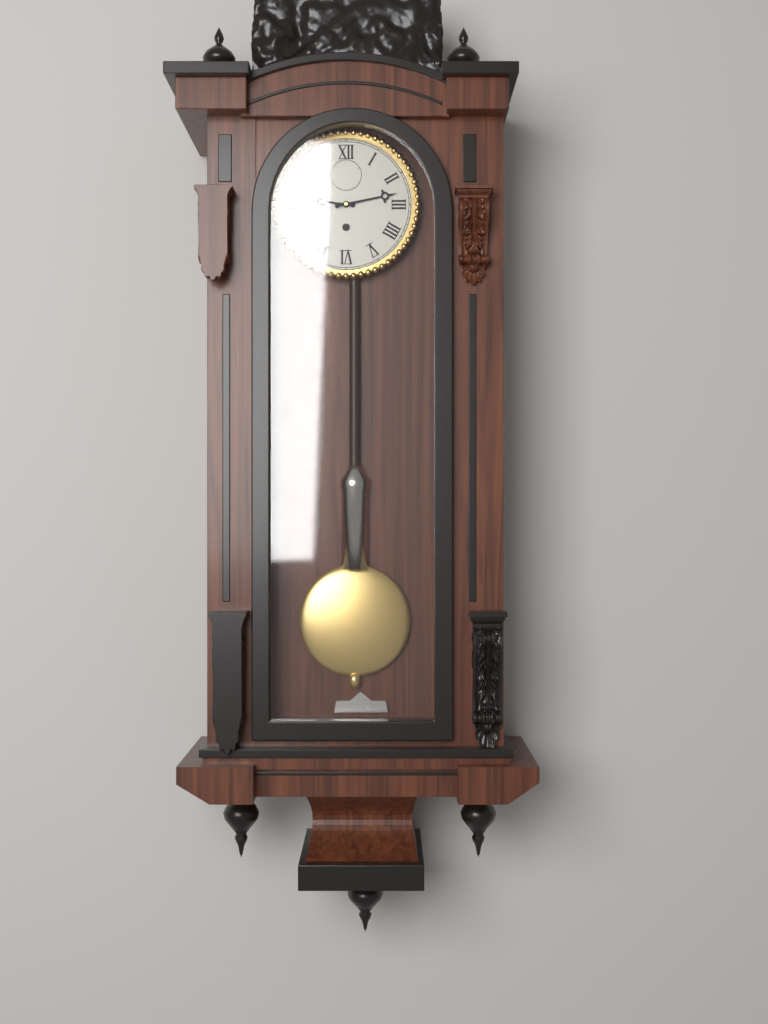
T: 9:13
